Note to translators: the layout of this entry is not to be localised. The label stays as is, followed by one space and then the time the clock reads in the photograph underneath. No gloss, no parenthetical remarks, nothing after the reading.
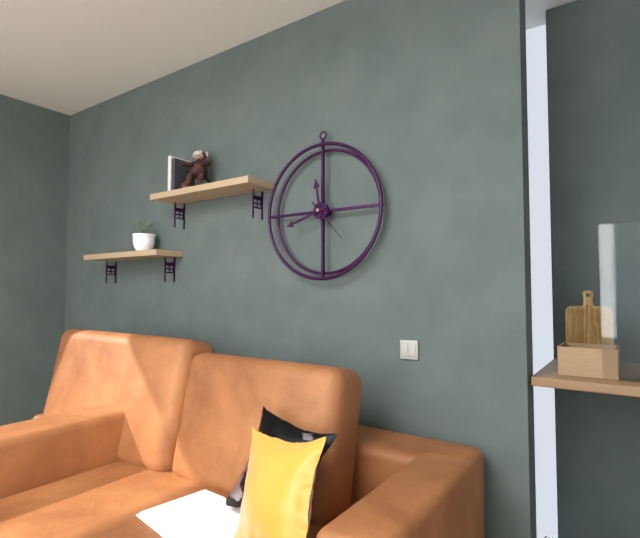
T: 11:42
